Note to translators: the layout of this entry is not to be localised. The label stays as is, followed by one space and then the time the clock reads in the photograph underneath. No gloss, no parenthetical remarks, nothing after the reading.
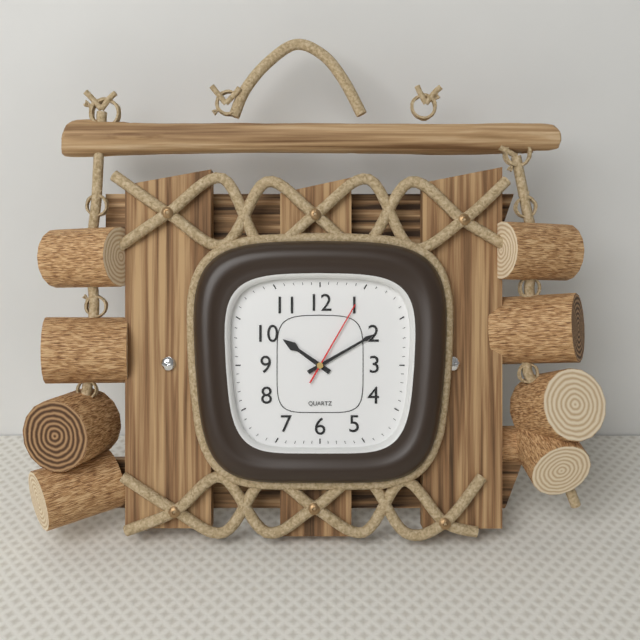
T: 10:10:05
